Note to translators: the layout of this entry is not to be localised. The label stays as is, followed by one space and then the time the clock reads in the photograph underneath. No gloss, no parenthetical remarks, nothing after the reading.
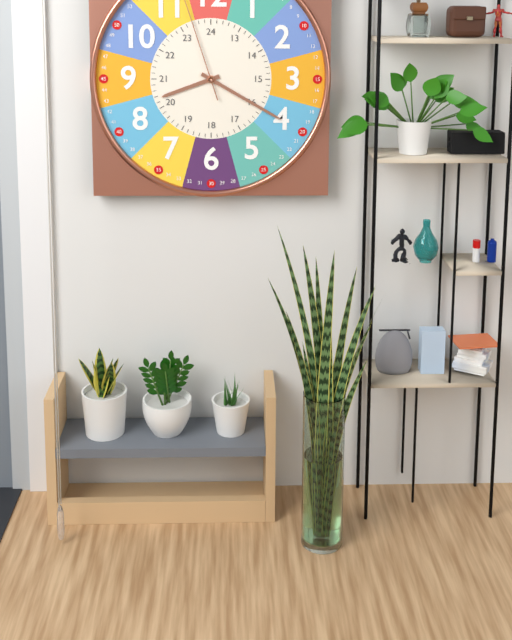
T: 8:20
